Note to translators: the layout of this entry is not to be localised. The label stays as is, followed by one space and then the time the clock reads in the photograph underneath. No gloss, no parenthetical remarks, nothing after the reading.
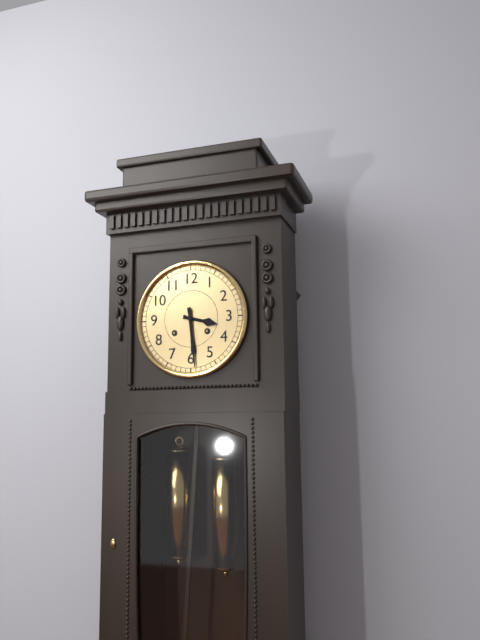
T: 3:29
